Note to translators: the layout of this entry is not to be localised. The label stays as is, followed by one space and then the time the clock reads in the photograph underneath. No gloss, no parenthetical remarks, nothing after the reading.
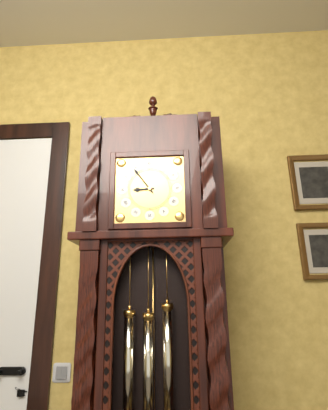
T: 8:54
